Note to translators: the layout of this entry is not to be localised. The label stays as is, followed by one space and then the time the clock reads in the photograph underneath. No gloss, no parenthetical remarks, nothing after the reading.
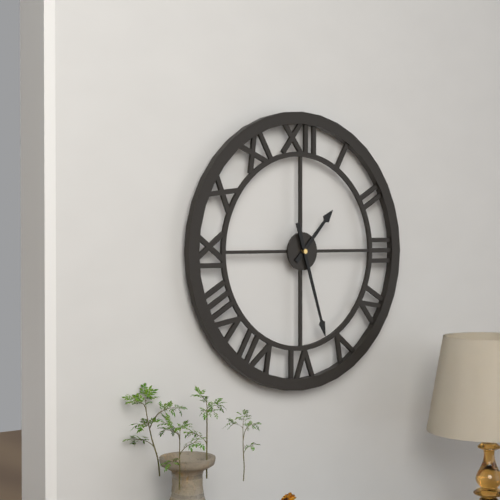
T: 1:27
